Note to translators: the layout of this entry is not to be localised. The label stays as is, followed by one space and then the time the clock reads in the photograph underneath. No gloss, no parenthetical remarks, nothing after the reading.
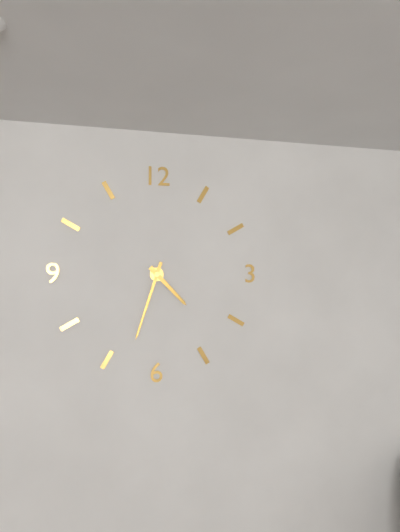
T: 4:33
